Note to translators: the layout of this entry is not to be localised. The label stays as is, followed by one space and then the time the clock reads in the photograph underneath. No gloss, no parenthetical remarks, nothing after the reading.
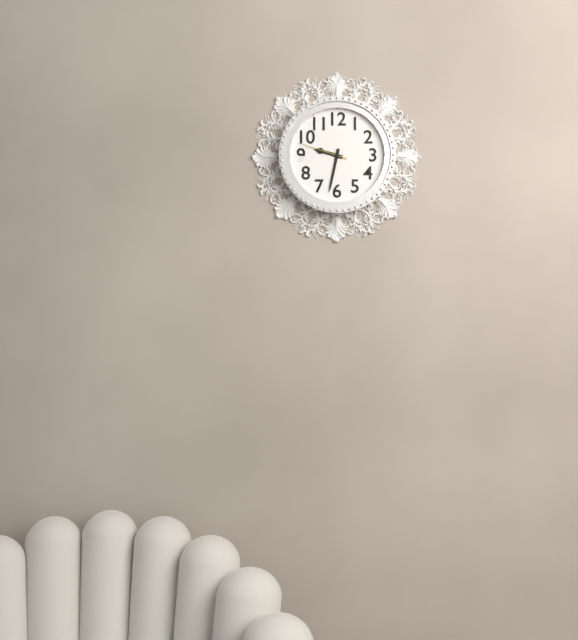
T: 9:32:48
